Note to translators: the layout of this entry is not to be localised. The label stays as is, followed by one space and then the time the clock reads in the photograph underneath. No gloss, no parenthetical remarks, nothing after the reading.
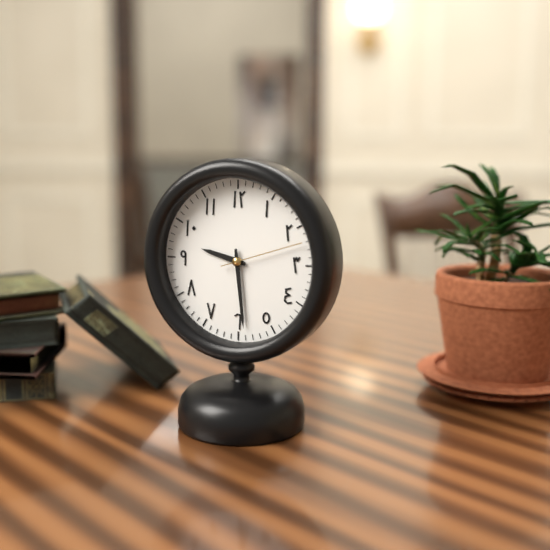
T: 9:29:12
